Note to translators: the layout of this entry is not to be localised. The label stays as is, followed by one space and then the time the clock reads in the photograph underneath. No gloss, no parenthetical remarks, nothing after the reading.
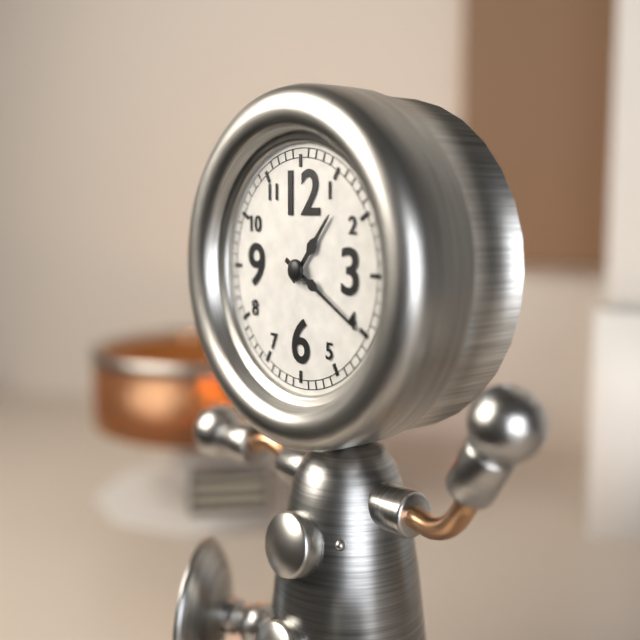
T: 1:20
